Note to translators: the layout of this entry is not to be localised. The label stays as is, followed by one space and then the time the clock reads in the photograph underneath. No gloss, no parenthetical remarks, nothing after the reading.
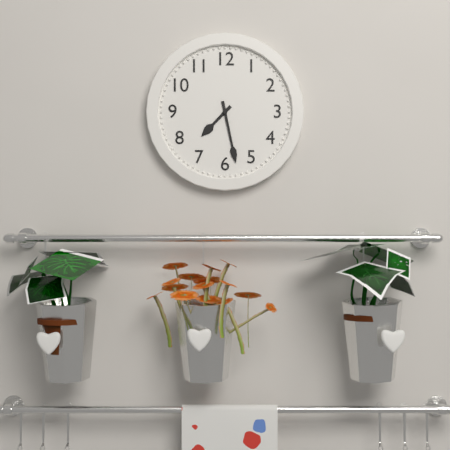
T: 7:28
